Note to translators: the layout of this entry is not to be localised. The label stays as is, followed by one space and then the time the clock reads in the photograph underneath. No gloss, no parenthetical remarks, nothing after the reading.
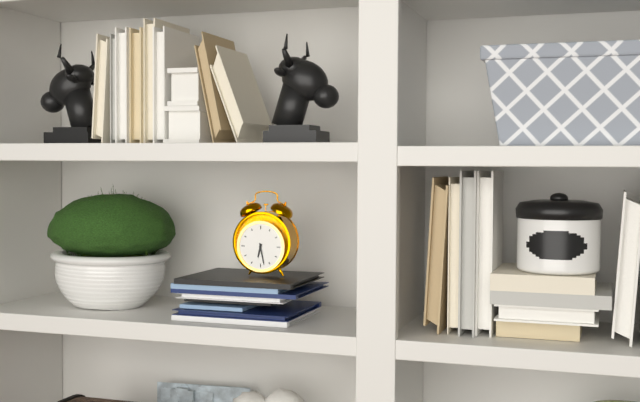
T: 6:28
